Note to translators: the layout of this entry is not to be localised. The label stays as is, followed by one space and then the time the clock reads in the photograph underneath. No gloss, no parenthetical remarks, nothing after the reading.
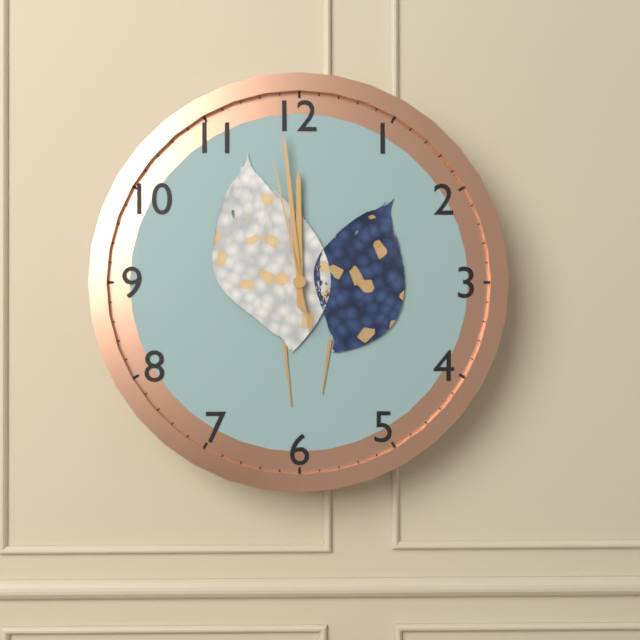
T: 11:59:58
